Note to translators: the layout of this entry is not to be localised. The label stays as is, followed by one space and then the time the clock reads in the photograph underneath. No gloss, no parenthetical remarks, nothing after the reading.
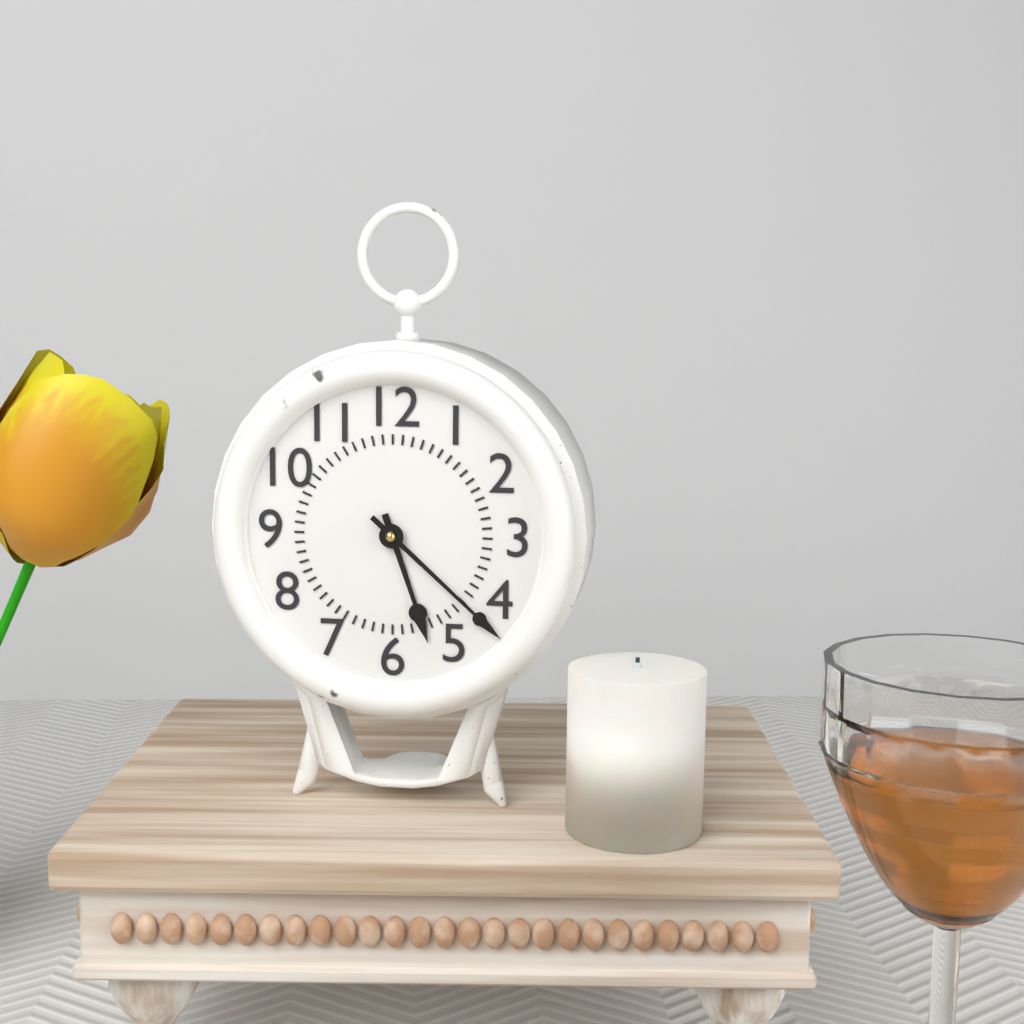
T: 5:22
